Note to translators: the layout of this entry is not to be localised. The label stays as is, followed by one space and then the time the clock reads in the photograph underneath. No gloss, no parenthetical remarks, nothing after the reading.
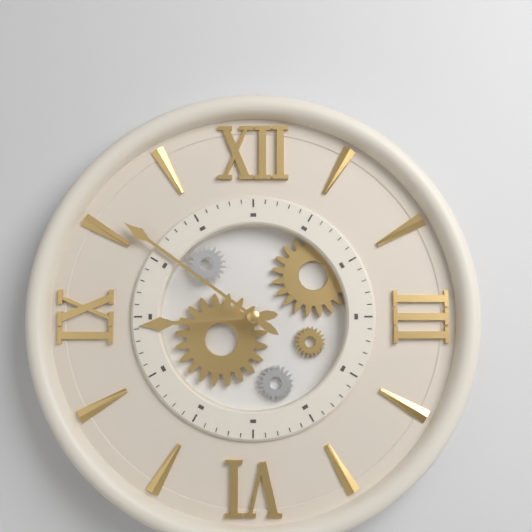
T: 8:51
